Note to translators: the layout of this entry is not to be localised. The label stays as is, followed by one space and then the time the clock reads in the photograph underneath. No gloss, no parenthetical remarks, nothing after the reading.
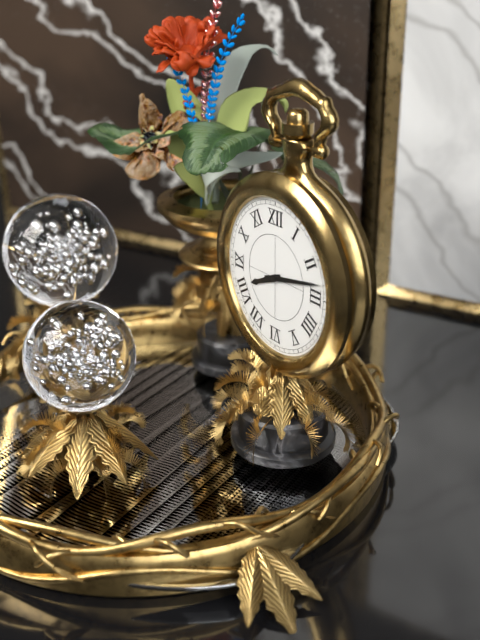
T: 8:13
